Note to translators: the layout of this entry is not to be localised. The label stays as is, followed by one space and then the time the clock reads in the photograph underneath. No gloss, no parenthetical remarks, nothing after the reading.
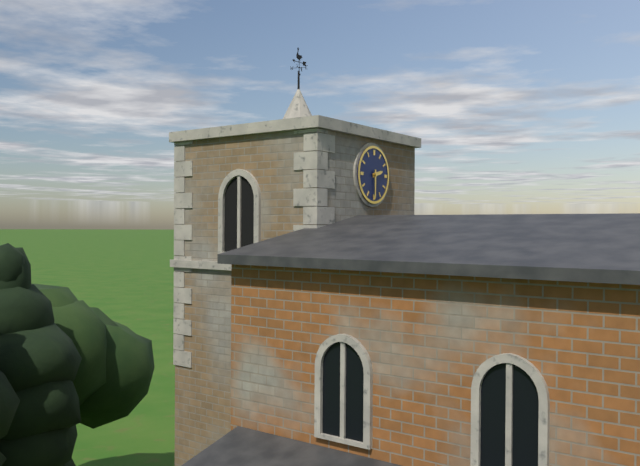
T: 2:30
